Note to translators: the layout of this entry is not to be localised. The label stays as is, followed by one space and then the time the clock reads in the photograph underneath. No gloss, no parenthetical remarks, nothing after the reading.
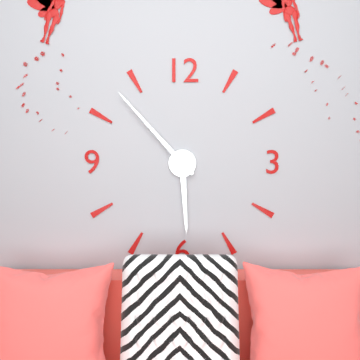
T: 5:53
